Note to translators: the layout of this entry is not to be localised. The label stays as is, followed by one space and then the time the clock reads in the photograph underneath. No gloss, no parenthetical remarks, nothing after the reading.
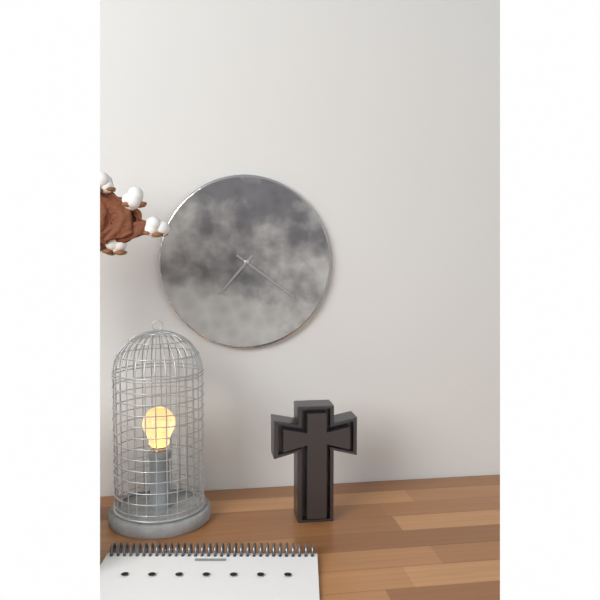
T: 7:21
